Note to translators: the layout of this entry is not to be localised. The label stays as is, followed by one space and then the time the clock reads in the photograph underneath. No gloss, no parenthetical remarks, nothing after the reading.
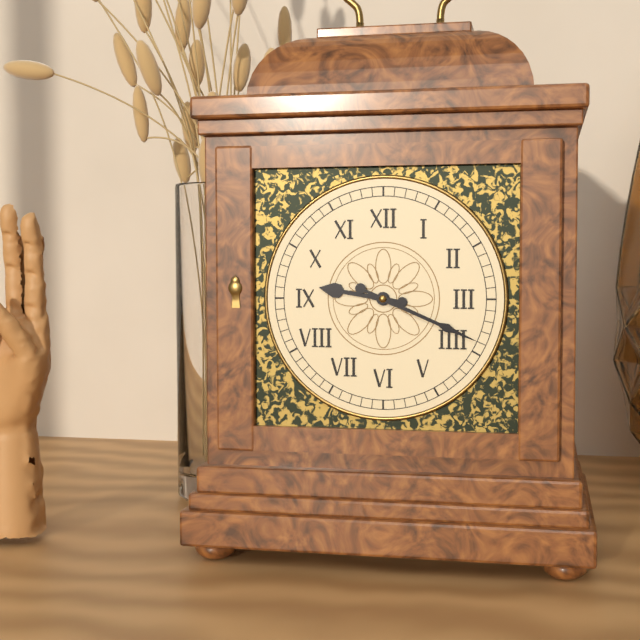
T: 9:19
